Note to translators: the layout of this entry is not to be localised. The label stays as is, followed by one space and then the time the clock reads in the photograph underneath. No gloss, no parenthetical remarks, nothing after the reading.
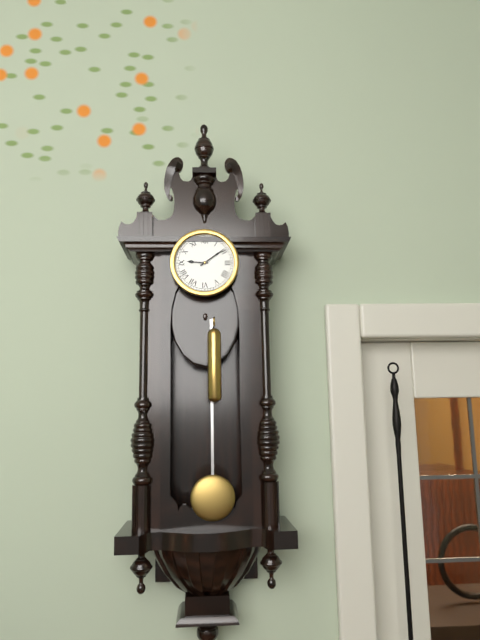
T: 9:09
